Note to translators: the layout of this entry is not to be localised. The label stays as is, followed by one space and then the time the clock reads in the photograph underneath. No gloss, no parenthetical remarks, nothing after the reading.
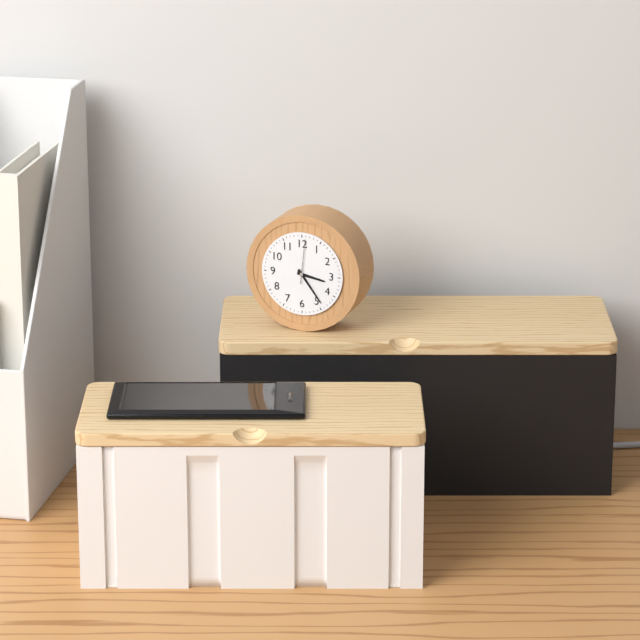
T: 3:24
